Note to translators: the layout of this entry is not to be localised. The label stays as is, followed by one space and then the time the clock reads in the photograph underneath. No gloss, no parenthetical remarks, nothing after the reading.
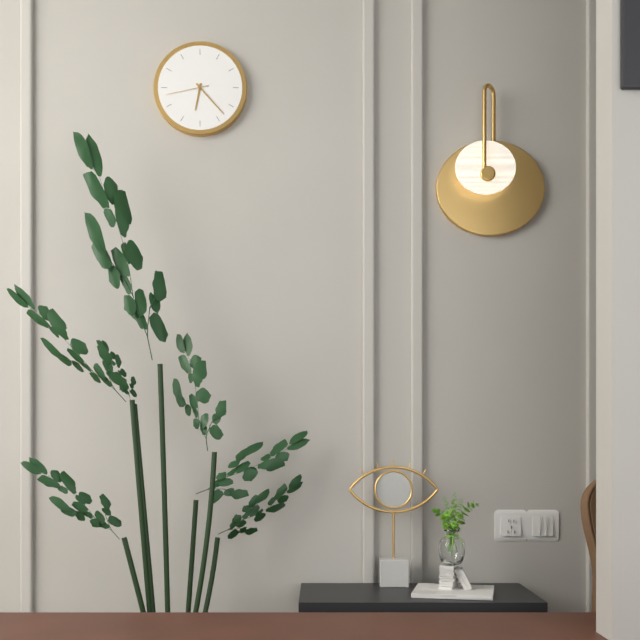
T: 6:23
